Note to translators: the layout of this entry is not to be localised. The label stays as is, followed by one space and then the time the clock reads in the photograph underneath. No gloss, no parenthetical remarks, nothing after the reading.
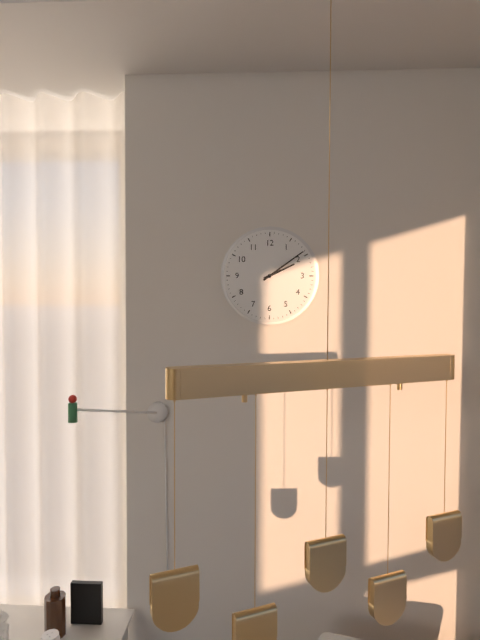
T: 2:09
